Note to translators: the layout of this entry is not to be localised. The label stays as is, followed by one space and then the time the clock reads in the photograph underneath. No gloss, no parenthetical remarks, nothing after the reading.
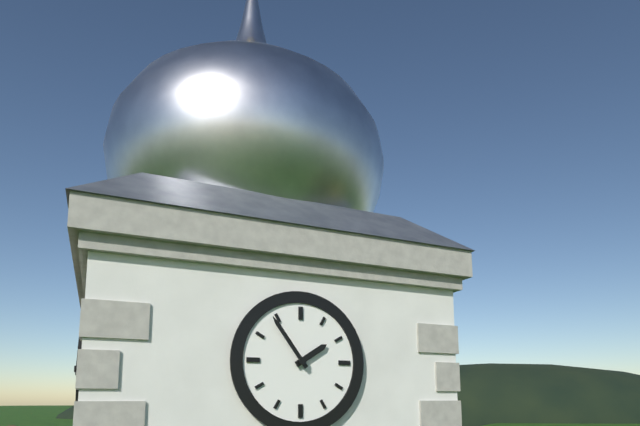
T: 1:54
